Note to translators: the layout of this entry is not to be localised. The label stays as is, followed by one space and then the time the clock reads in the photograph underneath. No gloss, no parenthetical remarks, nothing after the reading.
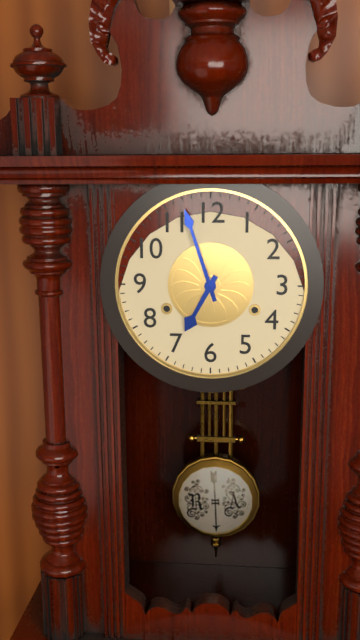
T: 6:57
